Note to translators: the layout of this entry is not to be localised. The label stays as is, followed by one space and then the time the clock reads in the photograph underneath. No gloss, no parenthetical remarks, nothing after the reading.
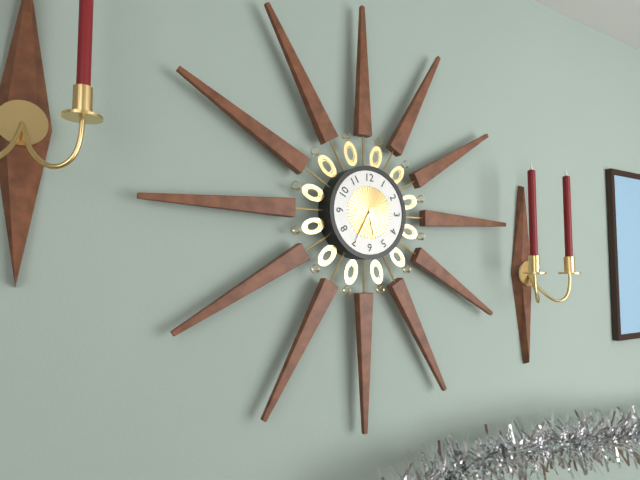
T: 5:35
